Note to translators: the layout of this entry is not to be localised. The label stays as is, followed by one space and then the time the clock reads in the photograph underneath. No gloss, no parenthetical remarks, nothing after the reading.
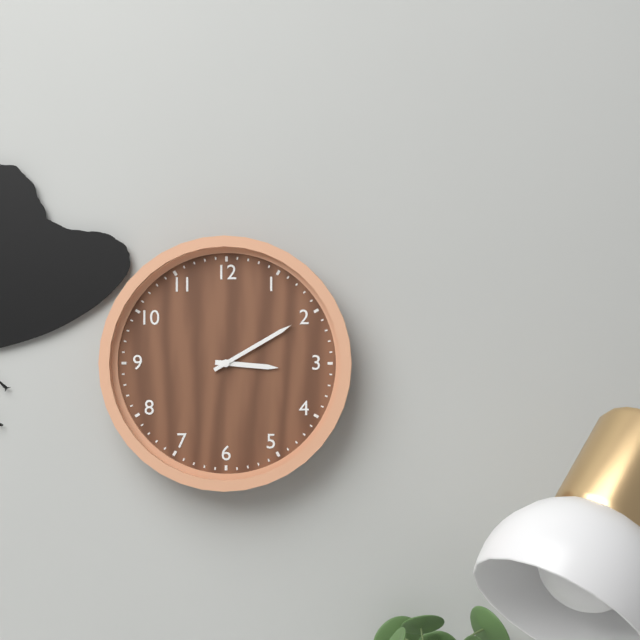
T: 3:10
